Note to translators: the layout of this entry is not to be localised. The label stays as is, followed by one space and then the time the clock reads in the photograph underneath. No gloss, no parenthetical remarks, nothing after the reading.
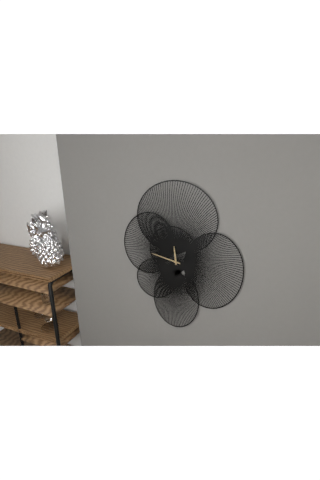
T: 11:47
